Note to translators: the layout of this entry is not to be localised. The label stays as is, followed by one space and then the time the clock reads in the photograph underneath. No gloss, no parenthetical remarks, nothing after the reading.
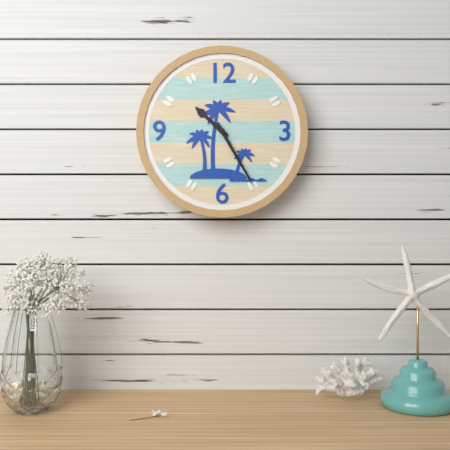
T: 10:25
